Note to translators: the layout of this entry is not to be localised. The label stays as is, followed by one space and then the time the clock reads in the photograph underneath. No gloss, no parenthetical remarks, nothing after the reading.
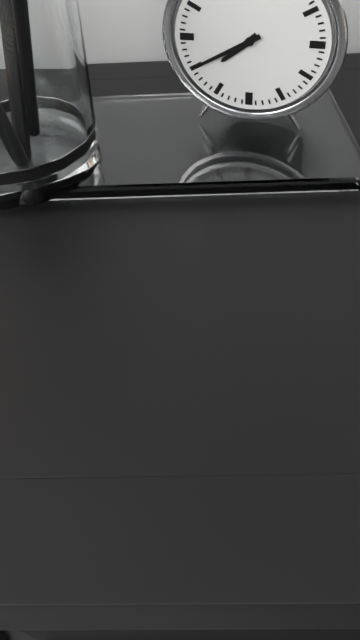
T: 7:40
